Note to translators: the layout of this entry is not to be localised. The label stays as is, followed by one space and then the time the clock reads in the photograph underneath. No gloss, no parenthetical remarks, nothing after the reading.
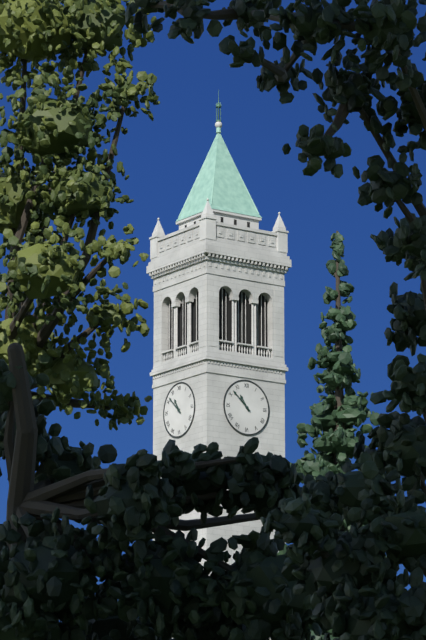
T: 10:52
